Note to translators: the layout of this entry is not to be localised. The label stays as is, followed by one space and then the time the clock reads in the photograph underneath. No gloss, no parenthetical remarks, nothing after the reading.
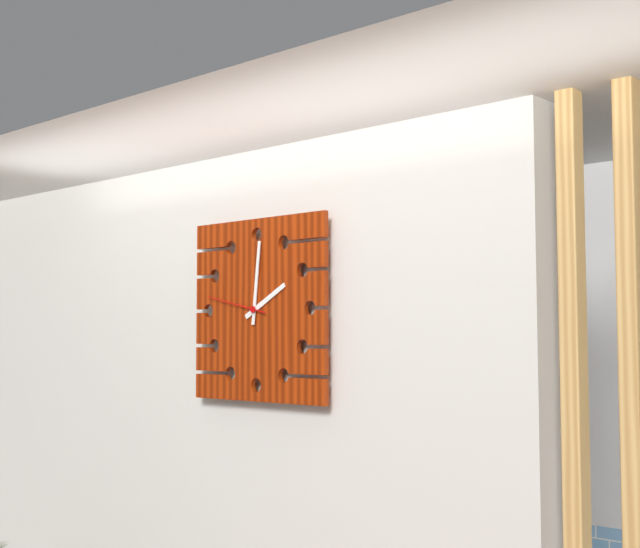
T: 2:01:47
